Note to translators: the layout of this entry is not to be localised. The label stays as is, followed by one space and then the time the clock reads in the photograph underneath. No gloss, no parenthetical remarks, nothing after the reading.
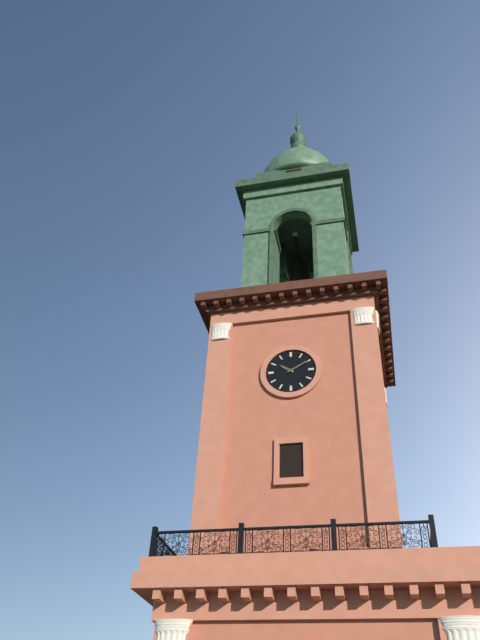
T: 10:10
